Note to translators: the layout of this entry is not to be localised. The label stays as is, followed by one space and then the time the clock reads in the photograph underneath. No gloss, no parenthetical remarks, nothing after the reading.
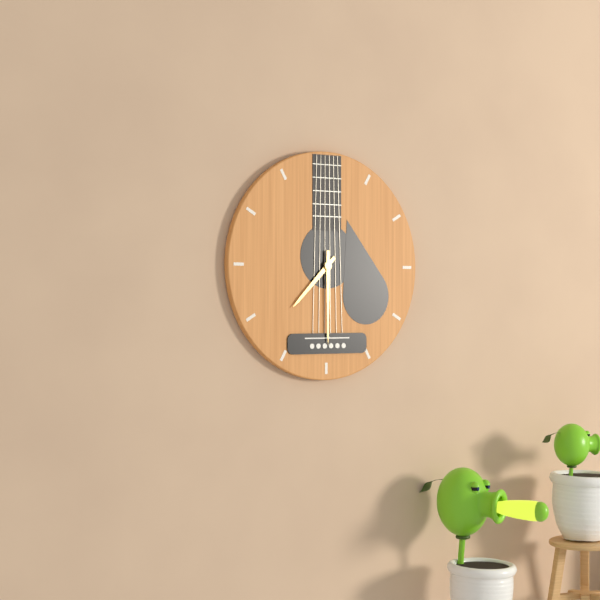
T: 7:30
